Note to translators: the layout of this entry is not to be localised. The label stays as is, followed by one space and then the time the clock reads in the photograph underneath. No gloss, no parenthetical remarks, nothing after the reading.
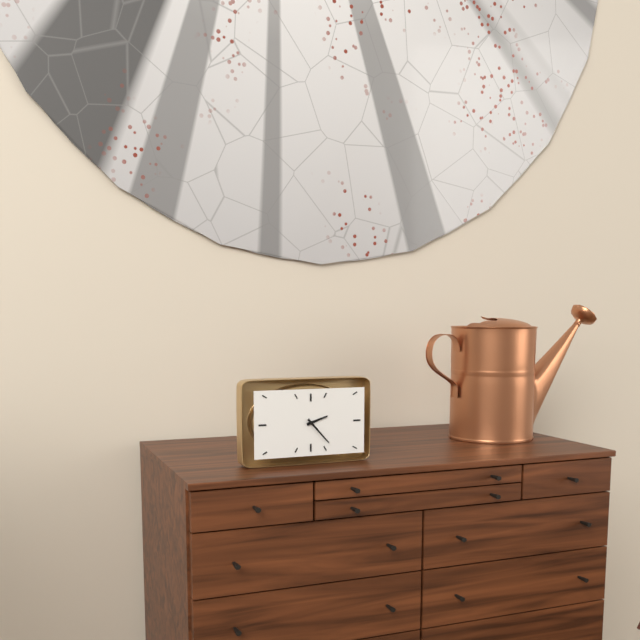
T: 2:23
